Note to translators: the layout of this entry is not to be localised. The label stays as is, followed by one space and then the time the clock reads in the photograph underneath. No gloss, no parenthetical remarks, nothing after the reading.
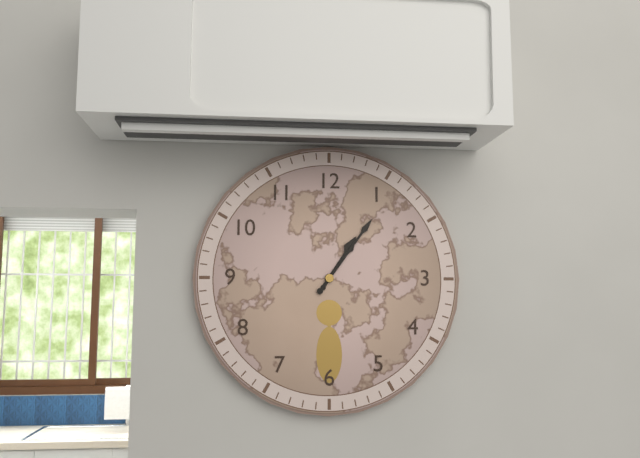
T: 1:06
